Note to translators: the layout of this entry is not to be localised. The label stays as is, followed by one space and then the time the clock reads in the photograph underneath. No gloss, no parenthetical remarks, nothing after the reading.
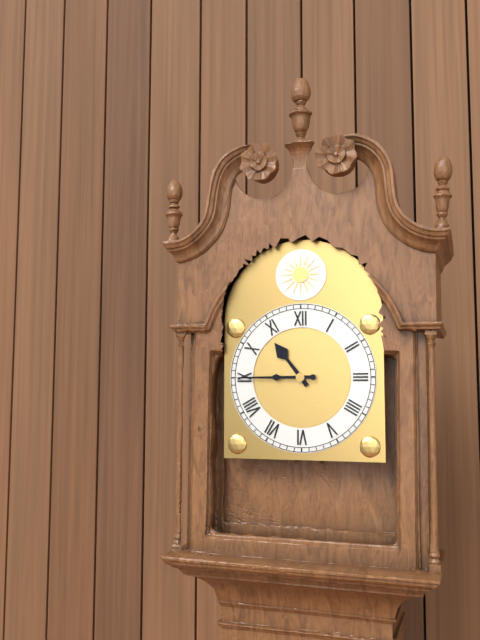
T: 10:45
